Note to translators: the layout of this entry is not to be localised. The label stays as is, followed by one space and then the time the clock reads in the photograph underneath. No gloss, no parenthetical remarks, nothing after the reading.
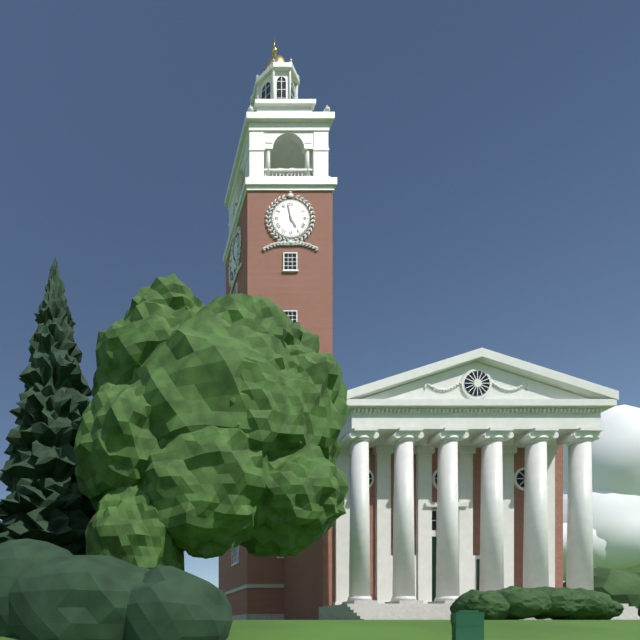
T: 4:58
